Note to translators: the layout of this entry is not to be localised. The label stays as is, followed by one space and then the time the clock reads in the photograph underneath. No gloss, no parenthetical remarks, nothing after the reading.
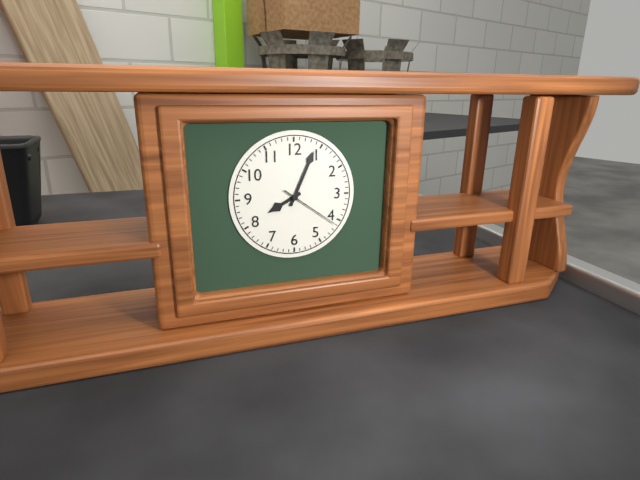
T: 8:04:21
